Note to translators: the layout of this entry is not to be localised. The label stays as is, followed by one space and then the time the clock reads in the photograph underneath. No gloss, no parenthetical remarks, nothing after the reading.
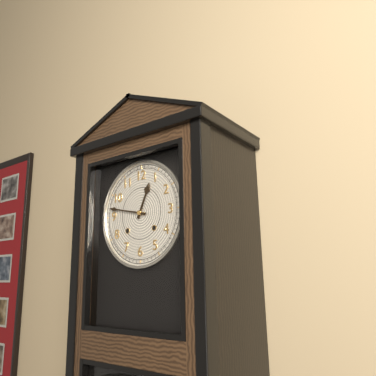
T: 12:47
